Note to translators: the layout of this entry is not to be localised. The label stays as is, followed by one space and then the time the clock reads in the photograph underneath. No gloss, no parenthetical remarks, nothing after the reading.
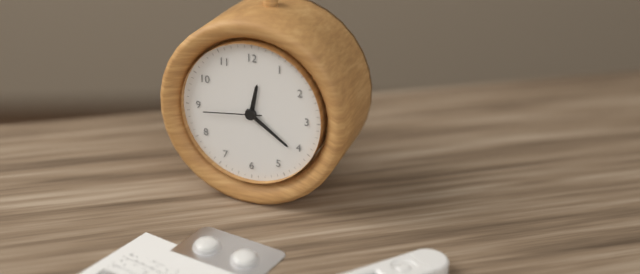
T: 12:21:44
